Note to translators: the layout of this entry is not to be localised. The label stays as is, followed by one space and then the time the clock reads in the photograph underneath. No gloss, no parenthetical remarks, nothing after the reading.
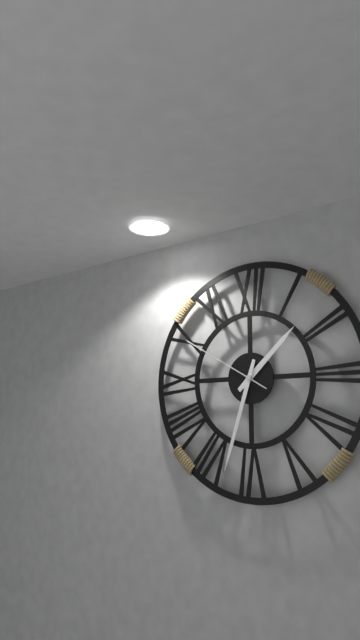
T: 1:33:50
